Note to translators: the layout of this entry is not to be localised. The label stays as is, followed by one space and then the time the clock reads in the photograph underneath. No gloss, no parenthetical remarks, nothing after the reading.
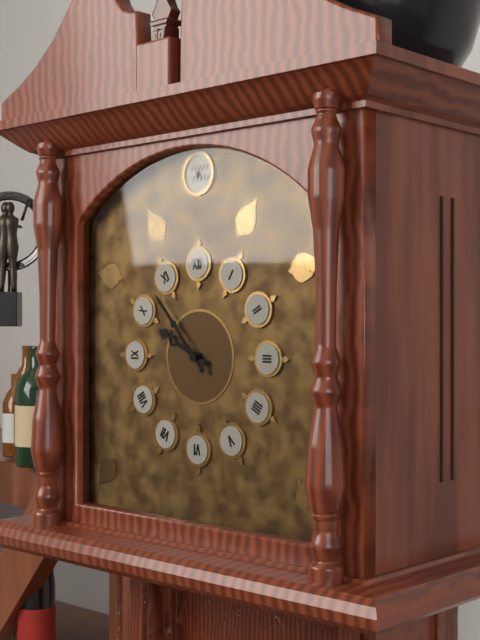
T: 9:53
